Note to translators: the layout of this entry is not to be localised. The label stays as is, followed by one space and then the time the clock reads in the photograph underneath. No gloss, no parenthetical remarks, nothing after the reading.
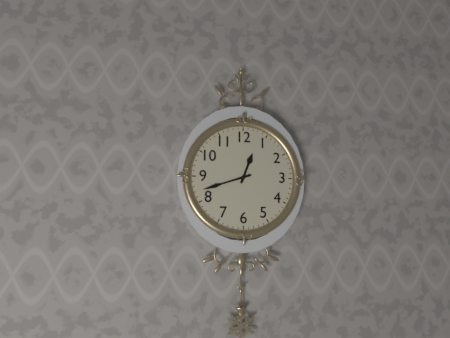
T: 12:42
